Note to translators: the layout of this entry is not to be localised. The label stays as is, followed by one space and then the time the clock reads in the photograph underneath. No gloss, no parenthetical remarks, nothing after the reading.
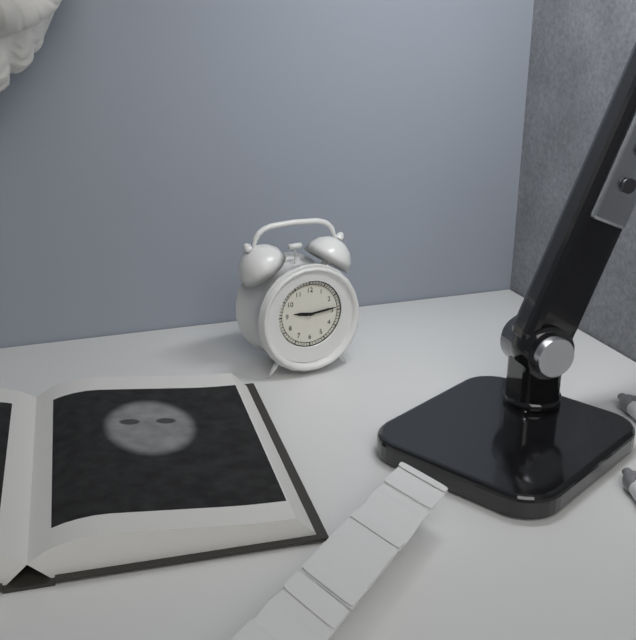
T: 9:14
